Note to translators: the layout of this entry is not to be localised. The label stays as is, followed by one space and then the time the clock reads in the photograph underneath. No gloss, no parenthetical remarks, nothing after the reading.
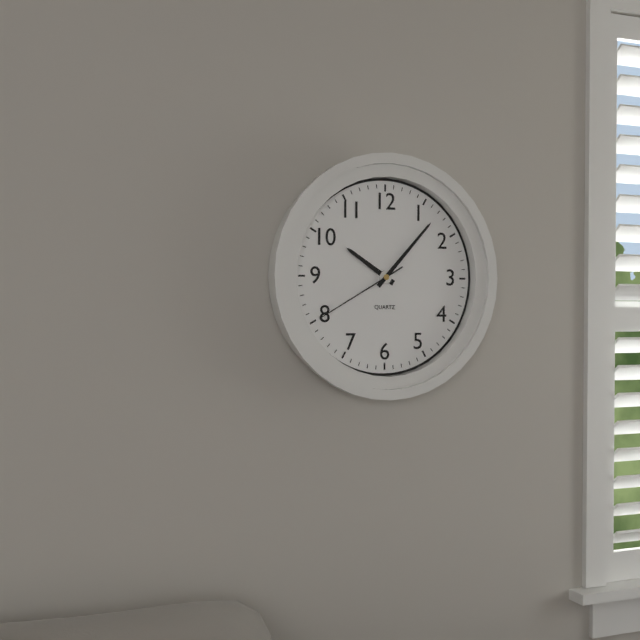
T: 10:07:40
